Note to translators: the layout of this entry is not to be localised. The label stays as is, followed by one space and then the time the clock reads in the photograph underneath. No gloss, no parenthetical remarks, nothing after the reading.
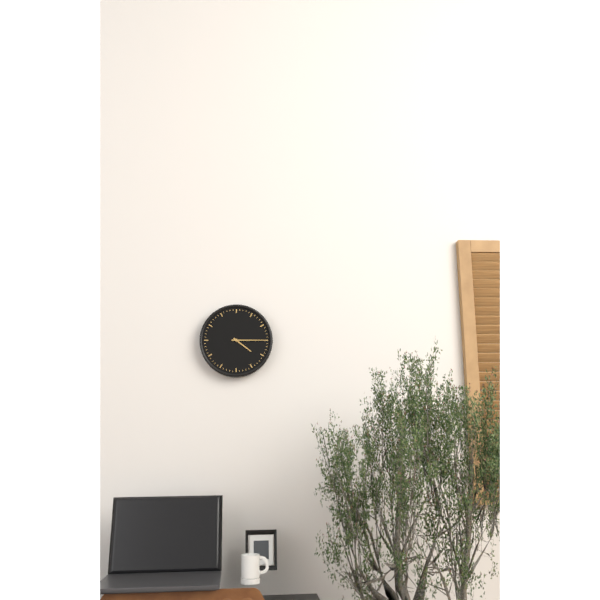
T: 4:15
